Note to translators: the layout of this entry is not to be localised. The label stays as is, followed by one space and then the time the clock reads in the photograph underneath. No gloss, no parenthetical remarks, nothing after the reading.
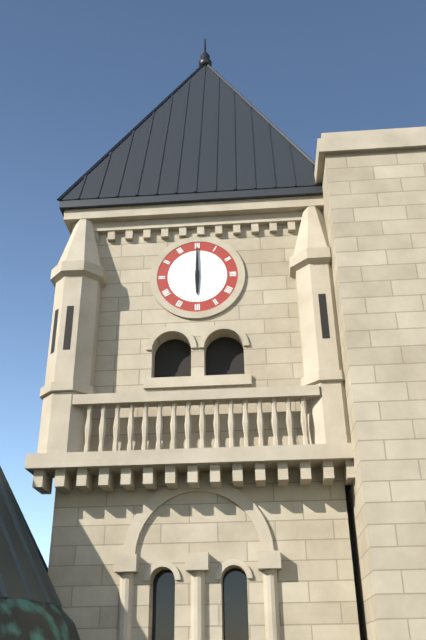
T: 6:00
